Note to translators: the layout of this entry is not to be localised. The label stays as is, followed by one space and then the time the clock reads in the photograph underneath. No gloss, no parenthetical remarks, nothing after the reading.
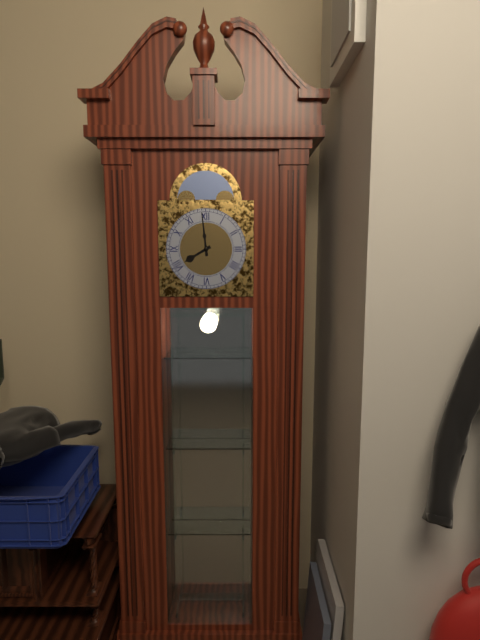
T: 7:59
